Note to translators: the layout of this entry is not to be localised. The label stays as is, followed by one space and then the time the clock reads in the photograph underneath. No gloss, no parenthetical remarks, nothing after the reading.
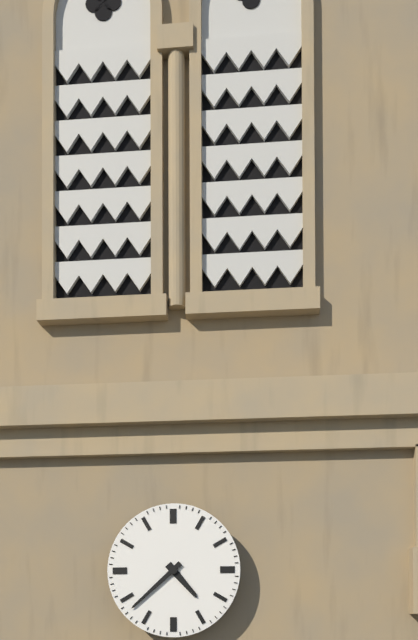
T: 4:38
